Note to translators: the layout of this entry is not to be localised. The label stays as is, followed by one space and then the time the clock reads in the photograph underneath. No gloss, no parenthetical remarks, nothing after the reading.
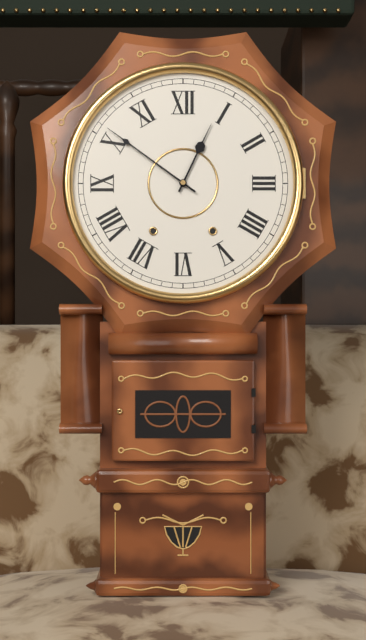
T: 12:51
